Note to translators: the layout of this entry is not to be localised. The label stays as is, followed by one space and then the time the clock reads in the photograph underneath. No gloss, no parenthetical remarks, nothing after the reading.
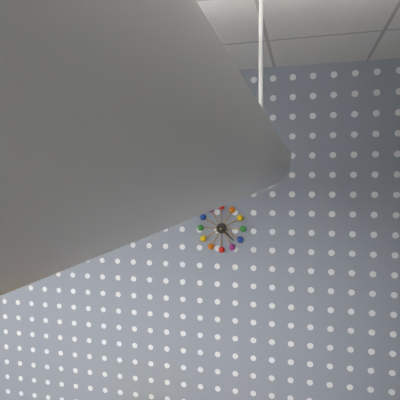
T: 4:22
